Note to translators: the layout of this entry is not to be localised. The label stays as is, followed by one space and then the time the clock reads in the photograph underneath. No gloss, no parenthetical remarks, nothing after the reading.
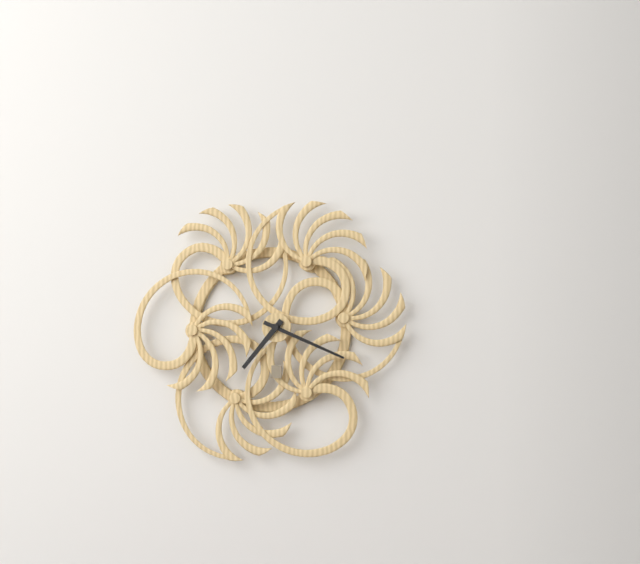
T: 7:19
